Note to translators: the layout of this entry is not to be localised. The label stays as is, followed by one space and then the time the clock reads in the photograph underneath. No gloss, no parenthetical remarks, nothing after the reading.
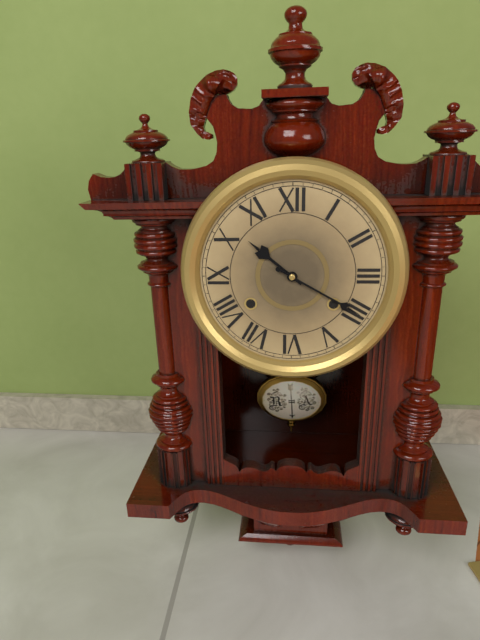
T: 10:20
